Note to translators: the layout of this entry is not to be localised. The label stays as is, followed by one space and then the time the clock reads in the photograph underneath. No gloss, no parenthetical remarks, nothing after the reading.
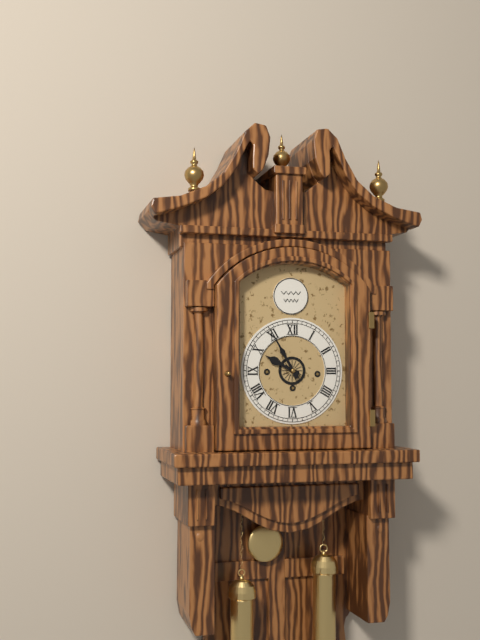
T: 9:55
